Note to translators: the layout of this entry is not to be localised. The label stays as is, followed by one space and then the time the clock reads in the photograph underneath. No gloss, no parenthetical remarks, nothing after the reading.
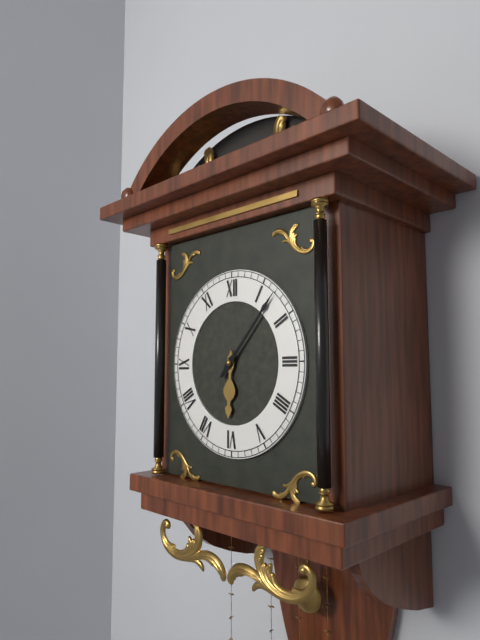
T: 6:07
